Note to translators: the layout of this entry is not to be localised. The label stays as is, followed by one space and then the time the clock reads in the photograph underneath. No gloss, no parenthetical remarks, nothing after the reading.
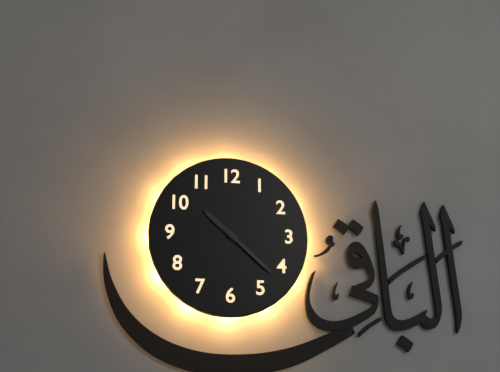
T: 10:22
